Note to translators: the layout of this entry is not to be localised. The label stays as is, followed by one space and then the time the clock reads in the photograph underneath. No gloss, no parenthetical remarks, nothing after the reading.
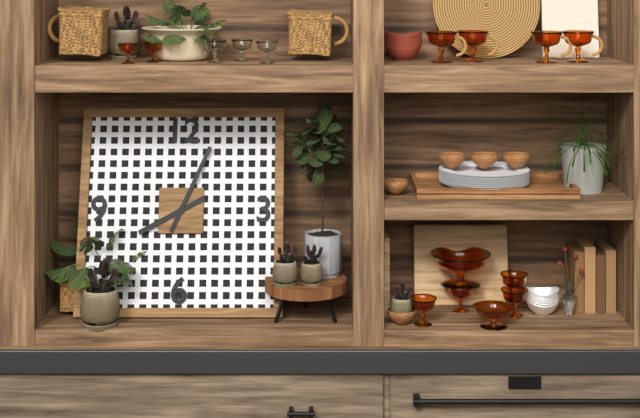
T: 8:04
